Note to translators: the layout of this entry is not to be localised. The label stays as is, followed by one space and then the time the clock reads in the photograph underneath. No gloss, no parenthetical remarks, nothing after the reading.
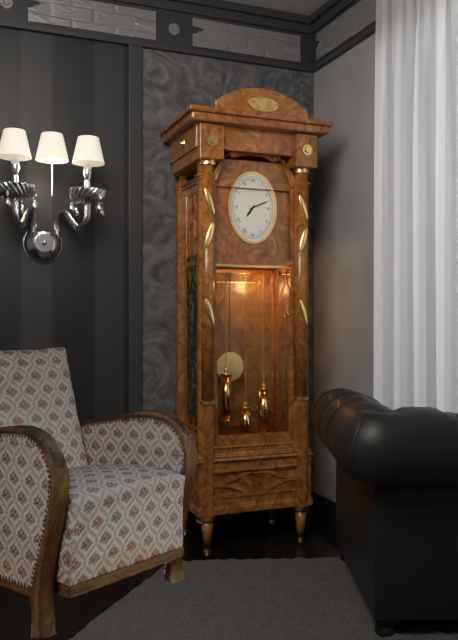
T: 7:11
